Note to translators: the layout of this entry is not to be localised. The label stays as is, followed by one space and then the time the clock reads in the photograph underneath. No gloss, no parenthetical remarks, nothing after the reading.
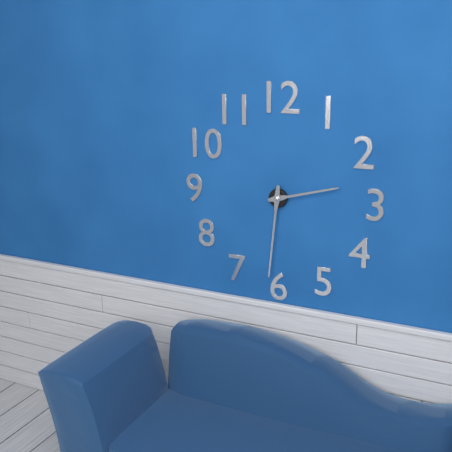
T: 2:31
